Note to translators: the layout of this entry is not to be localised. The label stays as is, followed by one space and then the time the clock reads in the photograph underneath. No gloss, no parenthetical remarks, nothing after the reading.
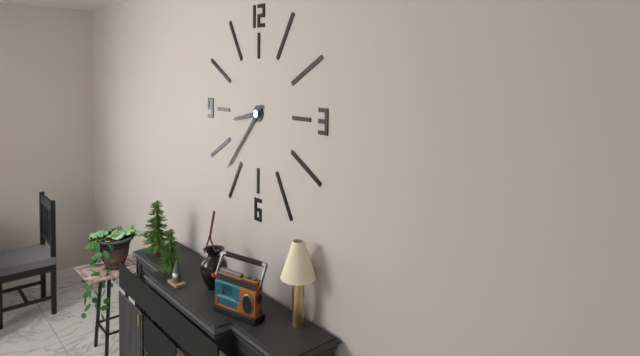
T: 8:37
